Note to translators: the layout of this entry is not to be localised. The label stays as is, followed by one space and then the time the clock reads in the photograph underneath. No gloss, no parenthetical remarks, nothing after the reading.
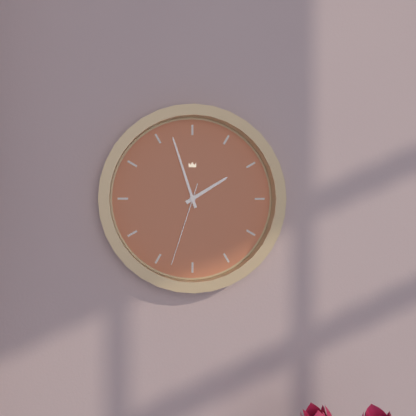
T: 1:57:33
